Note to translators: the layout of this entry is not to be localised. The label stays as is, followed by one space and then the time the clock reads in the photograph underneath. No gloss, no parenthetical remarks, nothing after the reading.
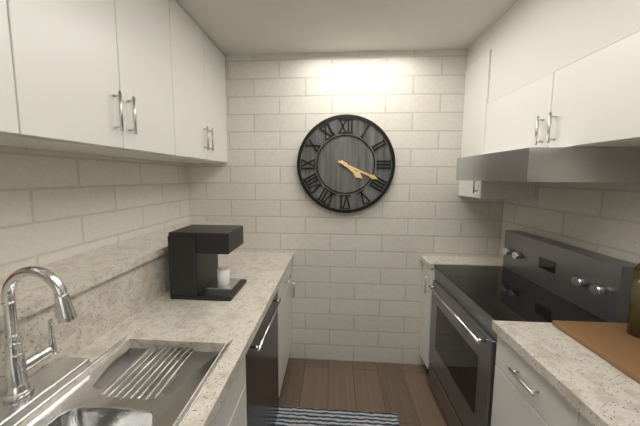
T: 4:19
